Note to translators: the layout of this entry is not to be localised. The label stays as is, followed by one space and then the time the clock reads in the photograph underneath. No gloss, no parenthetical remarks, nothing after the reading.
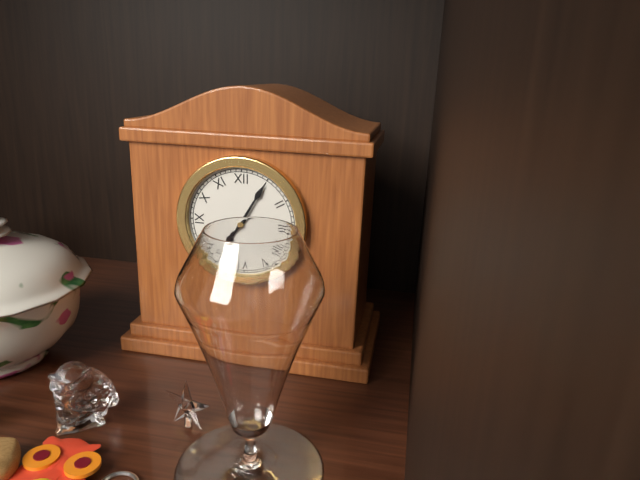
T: 7:05
